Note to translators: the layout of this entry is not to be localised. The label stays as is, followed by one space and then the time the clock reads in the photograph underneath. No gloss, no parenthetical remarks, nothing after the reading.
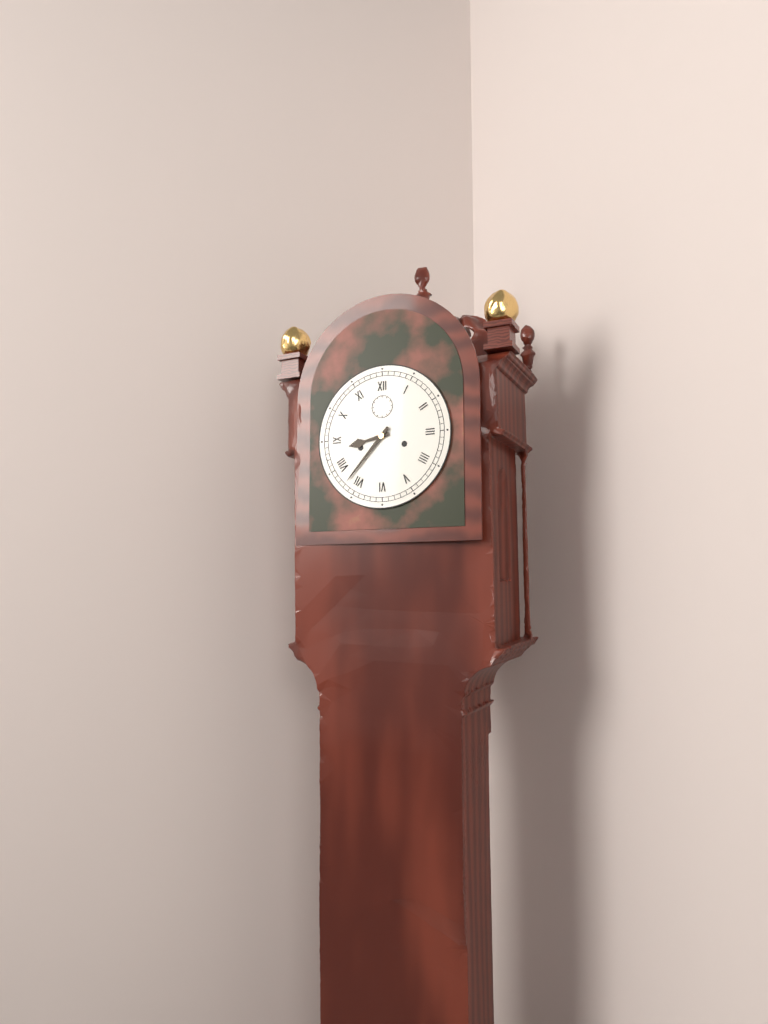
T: 8:37
